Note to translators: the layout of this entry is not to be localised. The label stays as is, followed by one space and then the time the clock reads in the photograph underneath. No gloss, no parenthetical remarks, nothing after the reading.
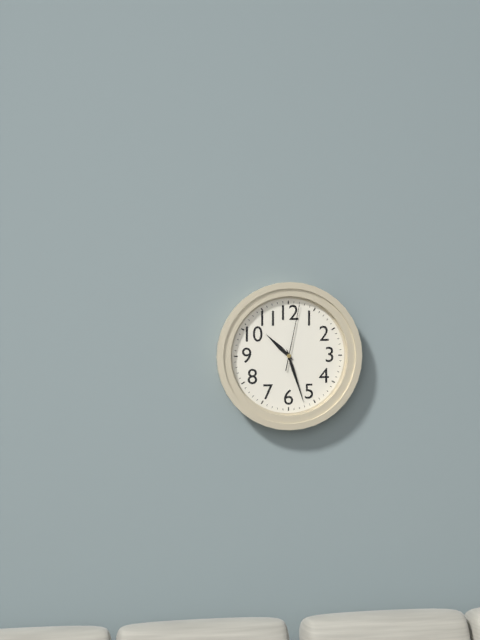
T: 10:27:02
